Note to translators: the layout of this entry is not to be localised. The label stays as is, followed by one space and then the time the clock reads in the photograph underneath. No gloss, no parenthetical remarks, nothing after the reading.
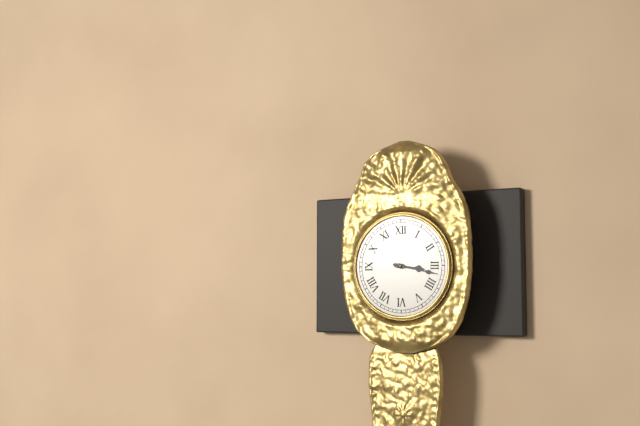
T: 3:17
